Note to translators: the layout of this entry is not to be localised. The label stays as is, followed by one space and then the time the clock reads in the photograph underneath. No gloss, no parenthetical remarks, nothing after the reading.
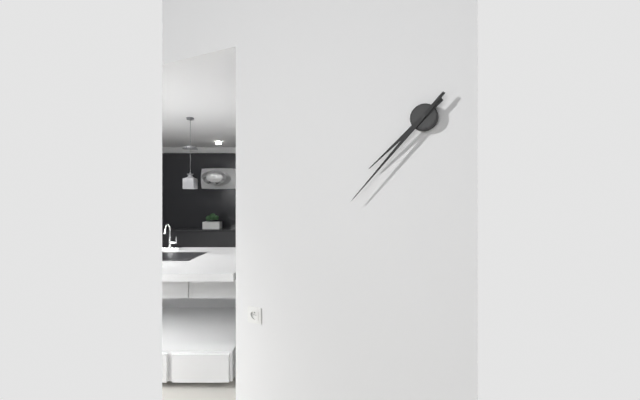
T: 7:37
